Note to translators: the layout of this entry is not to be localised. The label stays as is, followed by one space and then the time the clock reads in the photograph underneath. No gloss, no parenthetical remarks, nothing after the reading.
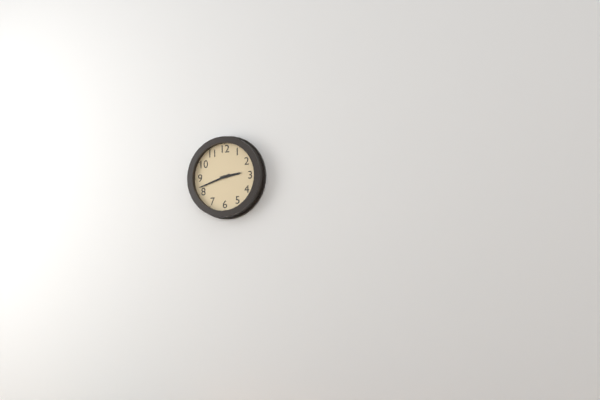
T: 2:42
